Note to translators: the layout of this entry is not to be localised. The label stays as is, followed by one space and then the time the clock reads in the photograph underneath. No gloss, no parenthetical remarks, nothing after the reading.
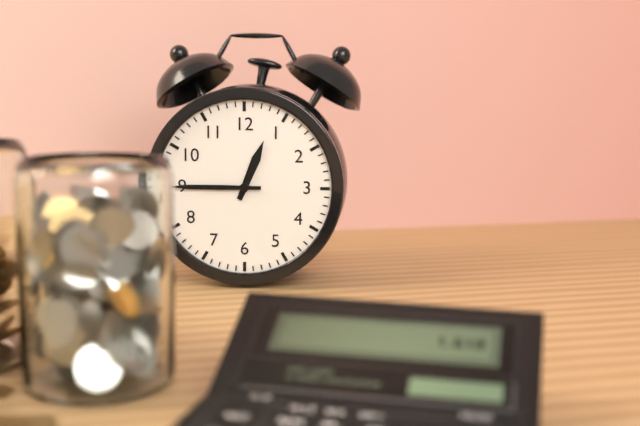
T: 12:45
